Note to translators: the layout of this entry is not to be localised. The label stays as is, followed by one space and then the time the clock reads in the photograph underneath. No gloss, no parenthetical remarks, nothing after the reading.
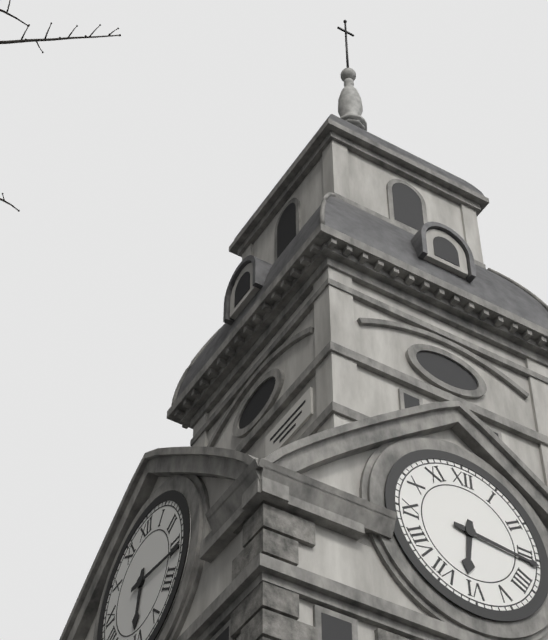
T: 6:16
